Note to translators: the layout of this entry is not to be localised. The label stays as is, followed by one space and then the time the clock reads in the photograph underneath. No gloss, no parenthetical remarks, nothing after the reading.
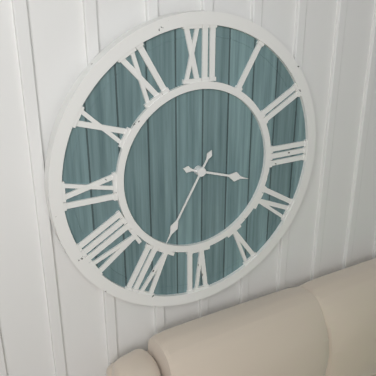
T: 3:35
